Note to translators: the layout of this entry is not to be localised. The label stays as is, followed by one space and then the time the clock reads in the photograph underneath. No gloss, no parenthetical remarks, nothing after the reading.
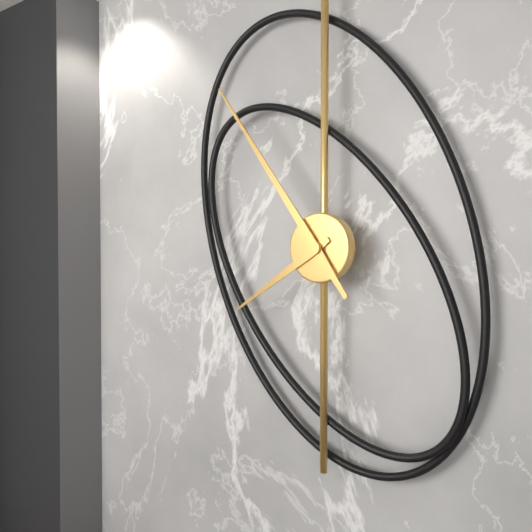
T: 7:54
